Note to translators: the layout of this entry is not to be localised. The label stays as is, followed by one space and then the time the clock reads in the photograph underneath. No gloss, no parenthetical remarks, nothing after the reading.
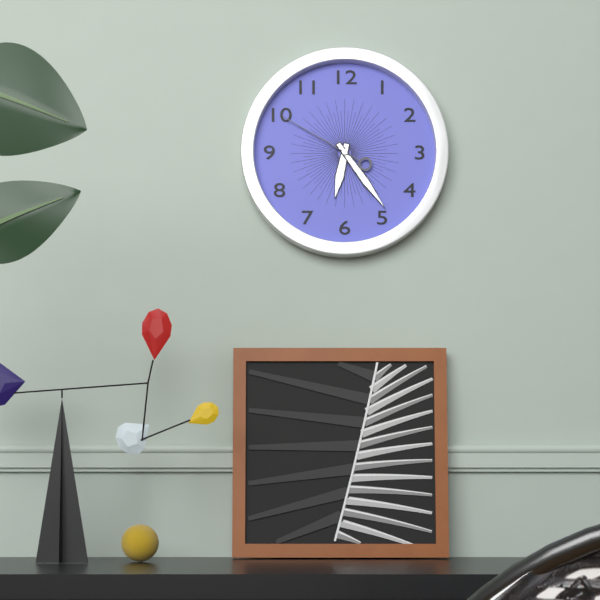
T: 6:24:50
